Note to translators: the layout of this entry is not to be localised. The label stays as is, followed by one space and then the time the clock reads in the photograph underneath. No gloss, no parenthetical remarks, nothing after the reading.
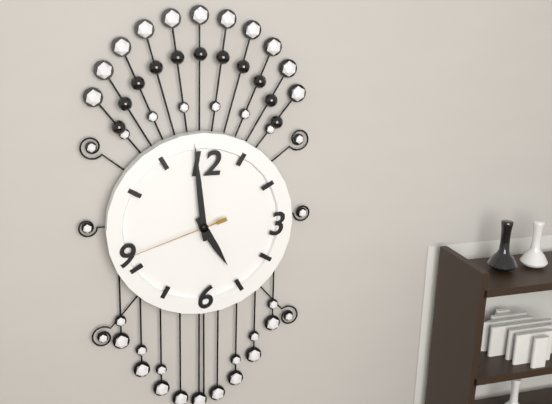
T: 4:59:42
